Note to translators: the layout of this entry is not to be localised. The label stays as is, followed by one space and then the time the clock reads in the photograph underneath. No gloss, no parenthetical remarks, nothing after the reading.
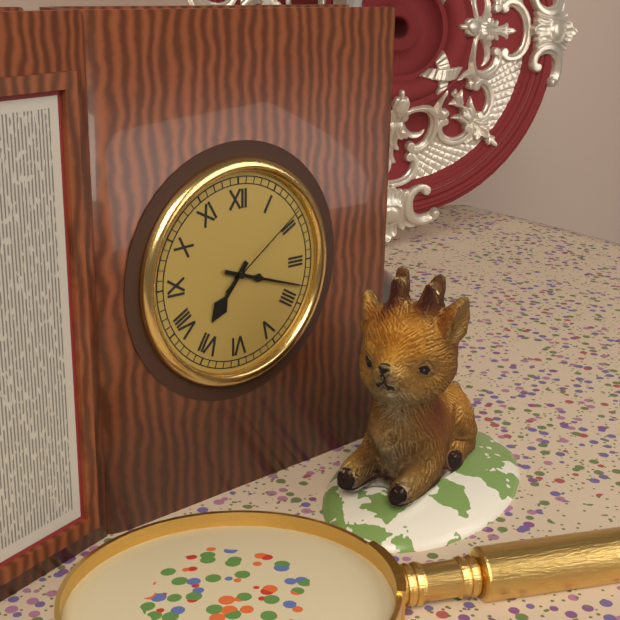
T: 7:18:09
